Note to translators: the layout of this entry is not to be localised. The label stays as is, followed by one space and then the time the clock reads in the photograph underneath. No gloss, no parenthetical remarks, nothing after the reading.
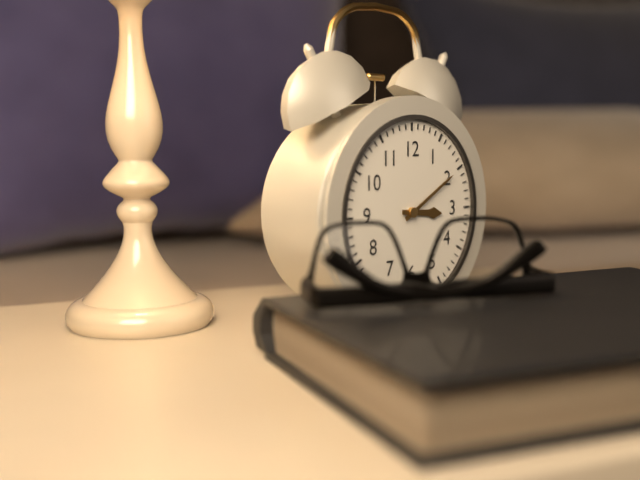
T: 3:10
